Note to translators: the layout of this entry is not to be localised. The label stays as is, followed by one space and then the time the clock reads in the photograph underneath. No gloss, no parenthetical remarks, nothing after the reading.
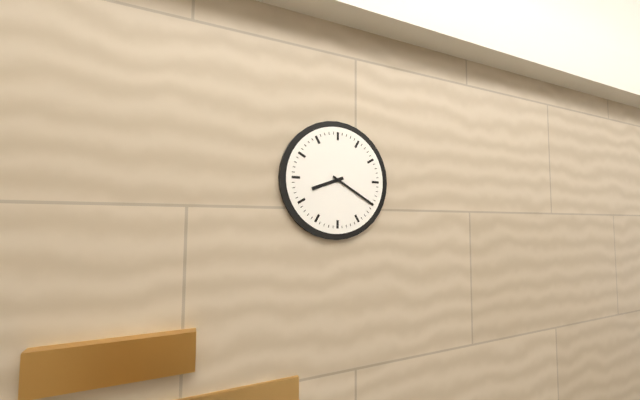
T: 8:20
